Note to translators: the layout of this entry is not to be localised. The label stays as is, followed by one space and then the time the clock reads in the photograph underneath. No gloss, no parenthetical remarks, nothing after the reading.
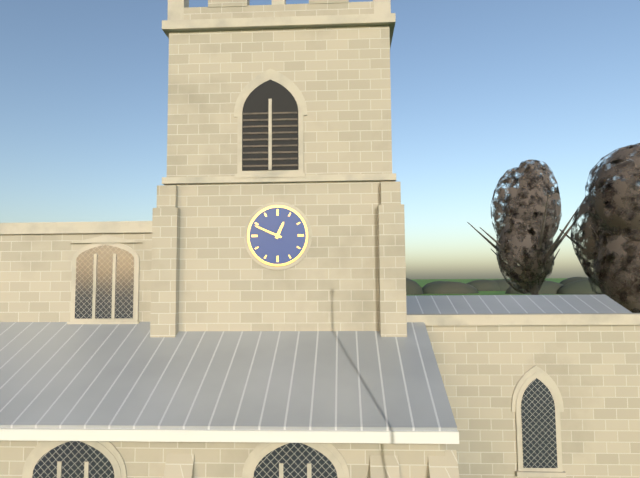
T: 12:49
